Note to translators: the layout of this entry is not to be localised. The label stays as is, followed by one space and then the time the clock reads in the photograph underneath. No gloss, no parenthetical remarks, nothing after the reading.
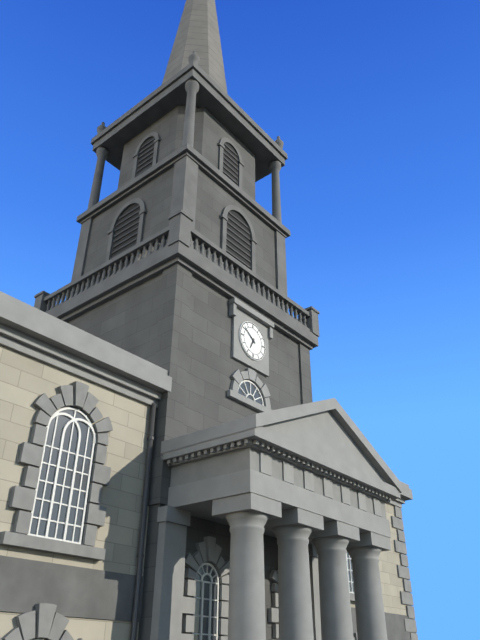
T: 6:51
